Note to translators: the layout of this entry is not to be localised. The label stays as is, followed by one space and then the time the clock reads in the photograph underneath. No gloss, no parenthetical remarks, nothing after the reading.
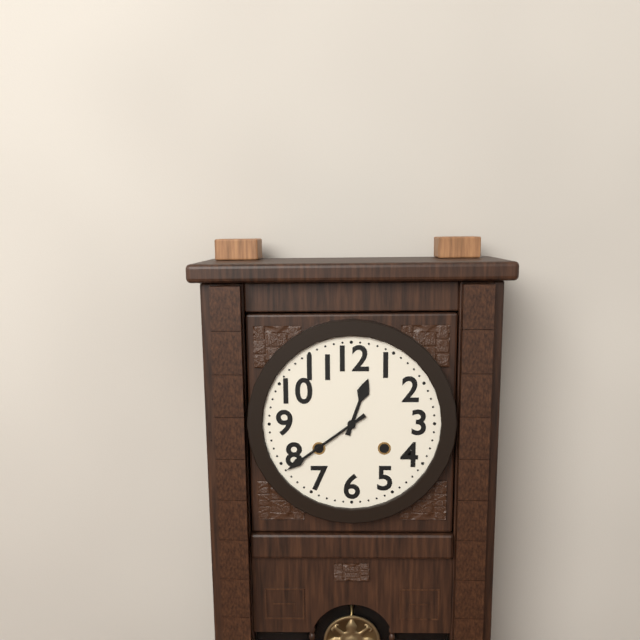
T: 12:39
